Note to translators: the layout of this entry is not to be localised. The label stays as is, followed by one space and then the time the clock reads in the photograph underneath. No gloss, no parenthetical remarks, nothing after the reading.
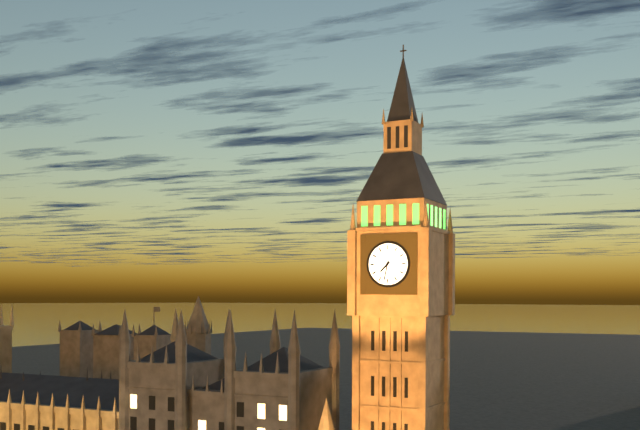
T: 7:32
